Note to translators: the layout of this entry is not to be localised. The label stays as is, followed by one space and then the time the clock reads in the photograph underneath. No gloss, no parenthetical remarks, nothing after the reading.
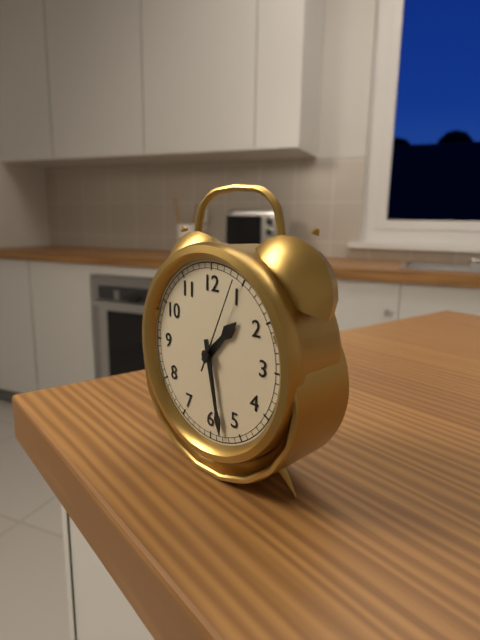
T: 1:28:04
